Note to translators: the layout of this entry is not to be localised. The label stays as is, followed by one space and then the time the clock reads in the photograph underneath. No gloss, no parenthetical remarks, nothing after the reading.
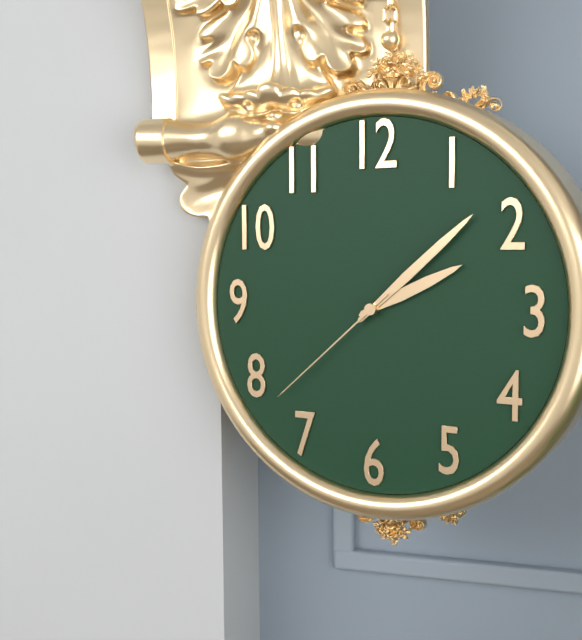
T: 2:08:38
